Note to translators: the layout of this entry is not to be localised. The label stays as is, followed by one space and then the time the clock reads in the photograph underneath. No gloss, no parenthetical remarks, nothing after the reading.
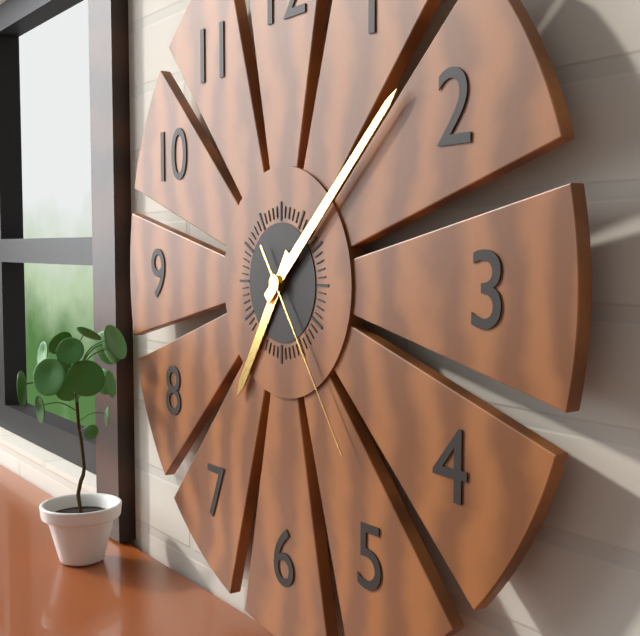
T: 7:08:24
